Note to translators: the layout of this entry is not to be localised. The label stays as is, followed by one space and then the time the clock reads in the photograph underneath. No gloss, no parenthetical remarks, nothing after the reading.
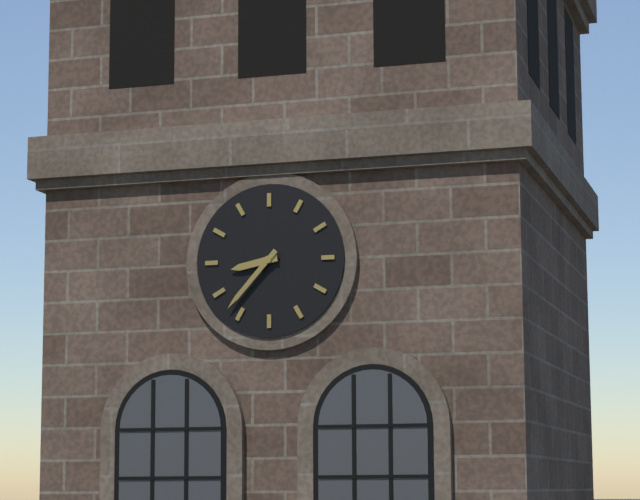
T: 8:37
